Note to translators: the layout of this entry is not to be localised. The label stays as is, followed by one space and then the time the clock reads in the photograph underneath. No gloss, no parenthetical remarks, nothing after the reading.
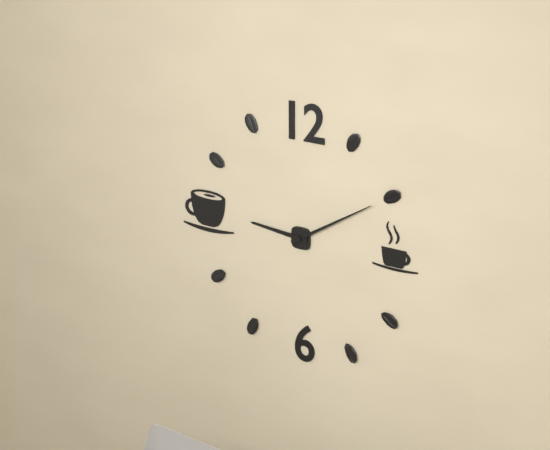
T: 9:10
